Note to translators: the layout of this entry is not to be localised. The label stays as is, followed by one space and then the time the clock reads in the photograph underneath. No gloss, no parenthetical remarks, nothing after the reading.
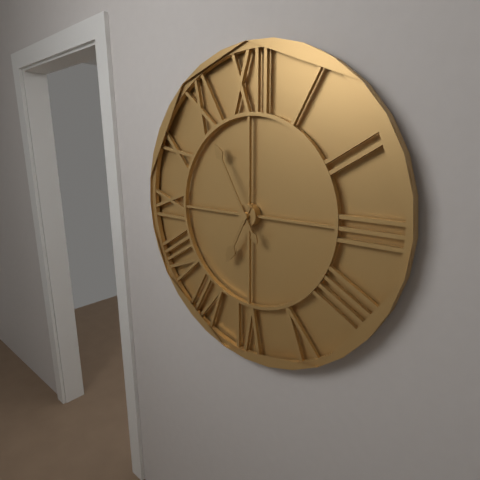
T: 6:55
